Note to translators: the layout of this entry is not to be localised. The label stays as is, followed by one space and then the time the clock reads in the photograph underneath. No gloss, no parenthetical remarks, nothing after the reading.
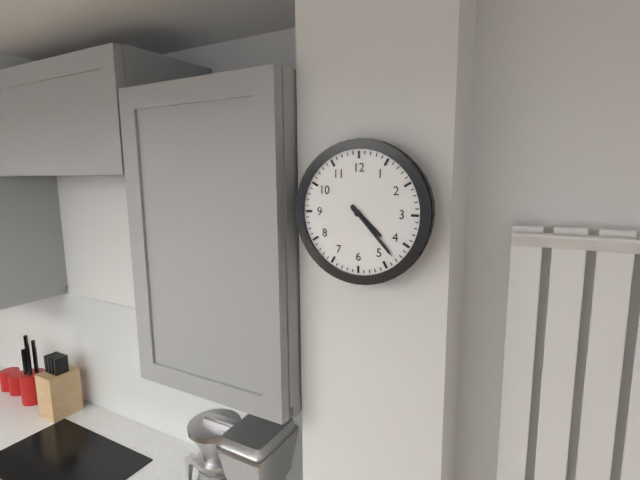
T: 4:23
